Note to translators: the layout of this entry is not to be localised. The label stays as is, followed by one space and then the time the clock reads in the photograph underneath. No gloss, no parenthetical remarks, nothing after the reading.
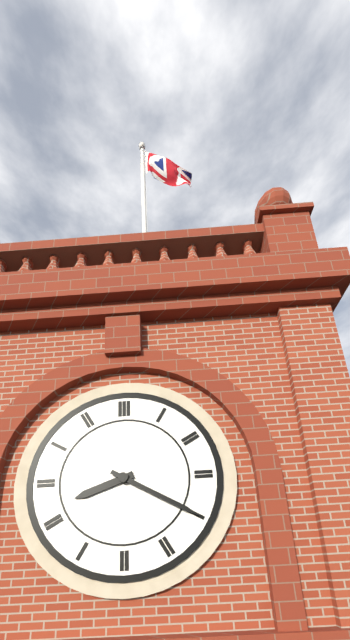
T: 8:20
